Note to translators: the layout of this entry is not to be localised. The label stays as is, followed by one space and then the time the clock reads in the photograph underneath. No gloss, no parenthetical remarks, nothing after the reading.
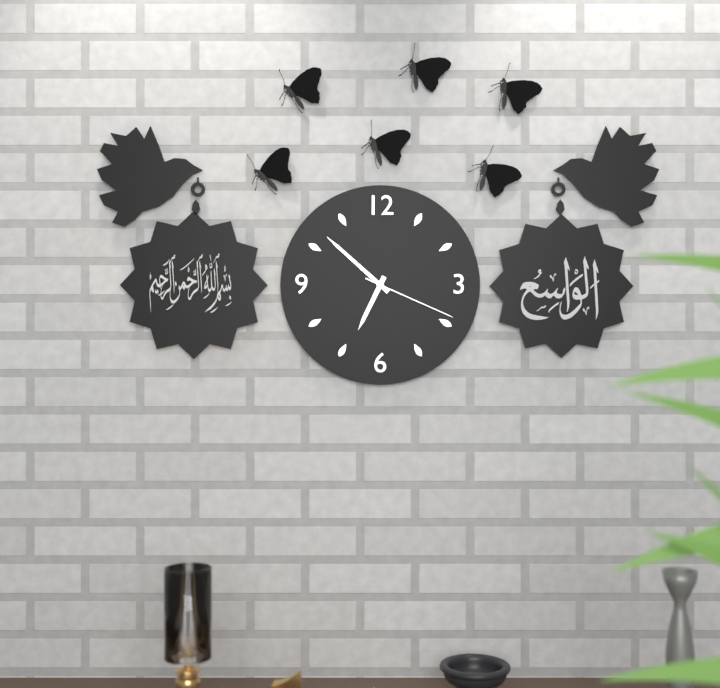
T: 6:52:19
